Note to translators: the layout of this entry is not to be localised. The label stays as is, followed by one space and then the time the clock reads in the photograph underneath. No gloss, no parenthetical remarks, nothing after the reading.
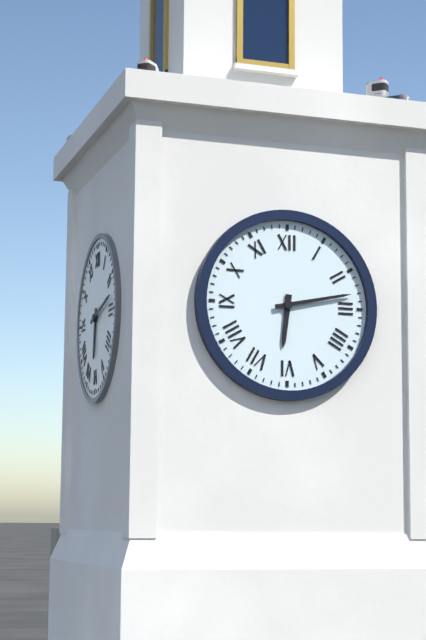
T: 6:13
